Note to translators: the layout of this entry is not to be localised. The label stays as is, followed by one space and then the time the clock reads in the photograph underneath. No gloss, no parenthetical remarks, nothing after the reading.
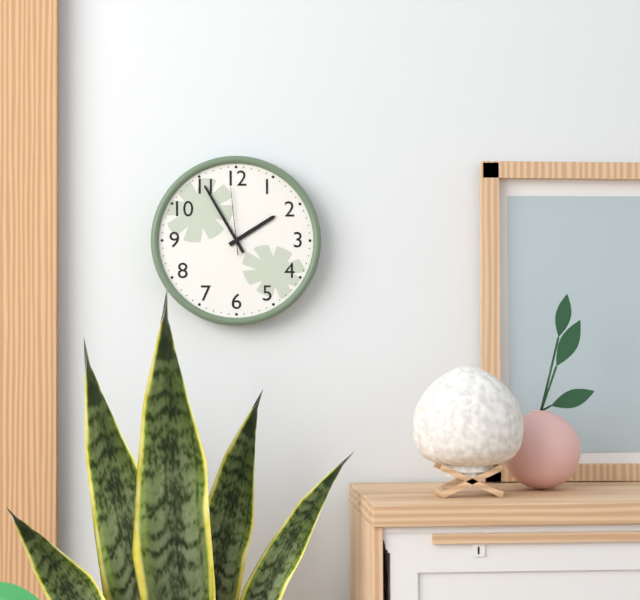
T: 1:55:59
